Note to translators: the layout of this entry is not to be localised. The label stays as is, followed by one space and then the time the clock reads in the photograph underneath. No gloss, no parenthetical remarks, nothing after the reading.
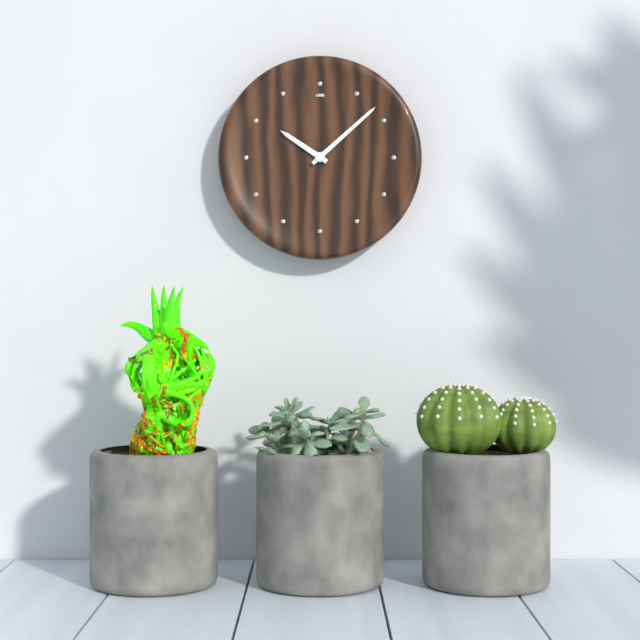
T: 10:08
